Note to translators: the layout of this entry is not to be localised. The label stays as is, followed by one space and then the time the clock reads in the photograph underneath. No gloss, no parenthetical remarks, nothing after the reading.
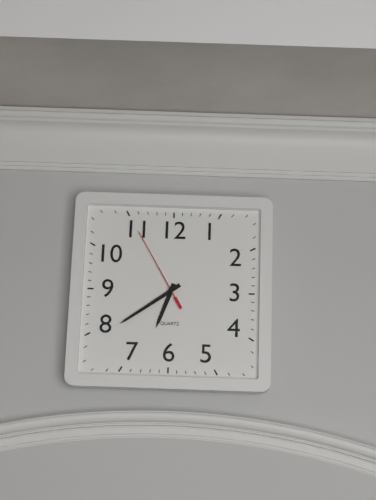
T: 6:39:55
